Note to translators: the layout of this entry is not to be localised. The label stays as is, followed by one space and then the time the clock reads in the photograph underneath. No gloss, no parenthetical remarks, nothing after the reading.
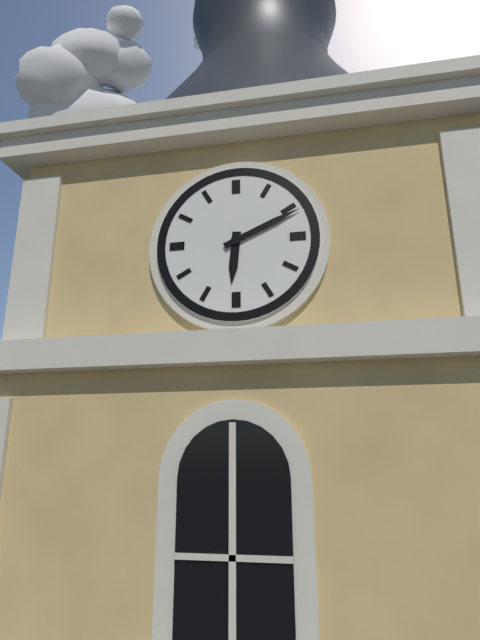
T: 6:11
